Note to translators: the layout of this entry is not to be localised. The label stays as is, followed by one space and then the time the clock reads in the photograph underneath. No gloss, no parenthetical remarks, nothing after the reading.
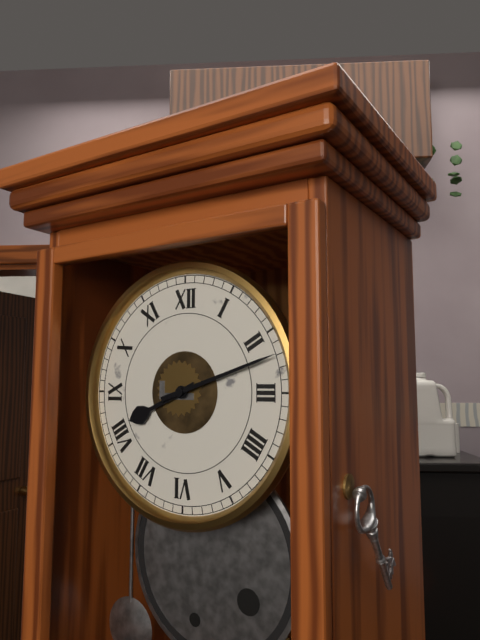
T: 8:12
